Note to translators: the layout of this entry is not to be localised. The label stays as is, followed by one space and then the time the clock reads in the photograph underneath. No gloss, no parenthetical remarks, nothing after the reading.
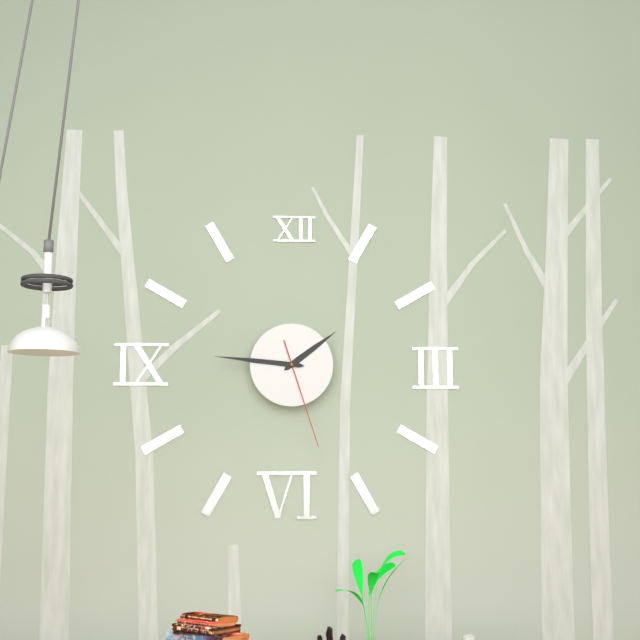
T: 1:46:27
